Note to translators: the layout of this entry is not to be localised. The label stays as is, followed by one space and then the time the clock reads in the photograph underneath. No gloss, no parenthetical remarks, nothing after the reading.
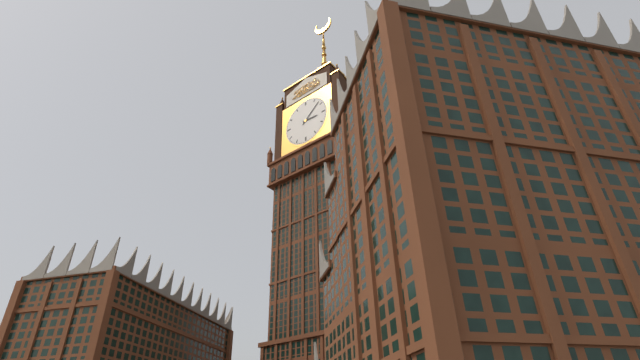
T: 3:08
